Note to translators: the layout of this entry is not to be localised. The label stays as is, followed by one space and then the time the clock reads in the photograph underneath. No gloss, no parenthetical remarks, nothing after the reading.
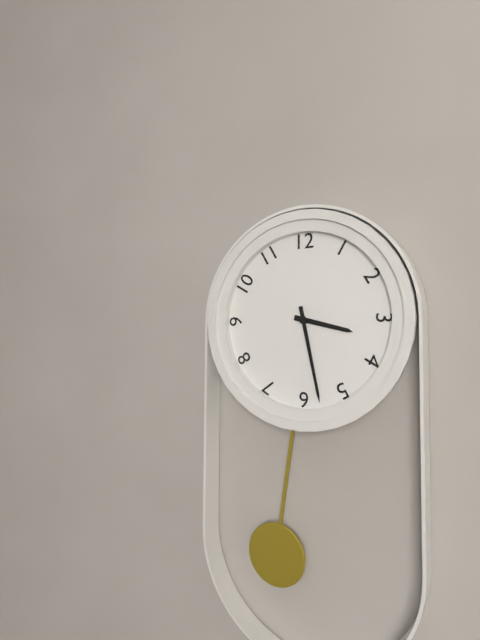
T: 3:28
